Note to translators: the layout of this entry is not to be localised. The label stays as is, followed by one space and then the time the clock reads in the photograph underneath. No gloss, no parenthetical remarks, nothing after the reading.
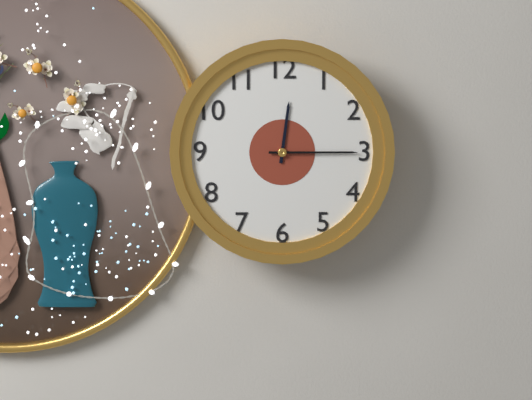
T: 12:15
